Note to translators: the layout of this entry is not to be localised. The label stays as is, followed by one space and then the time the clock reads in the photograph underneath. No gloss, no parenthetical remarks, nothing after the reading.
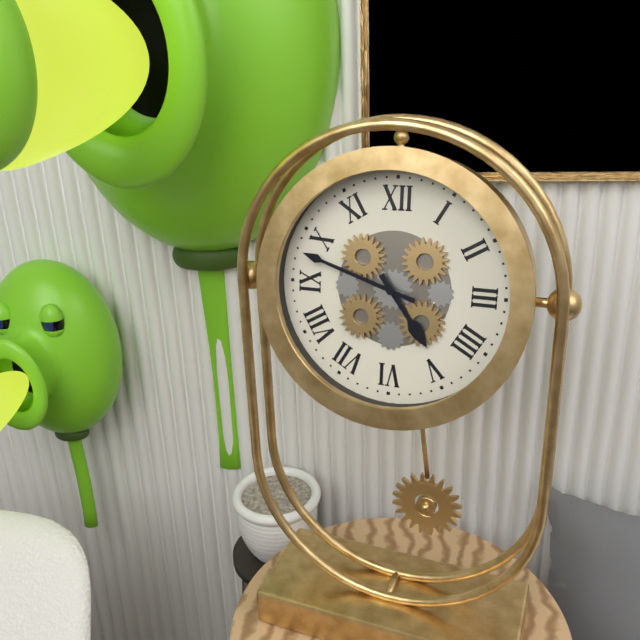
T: 4:48
